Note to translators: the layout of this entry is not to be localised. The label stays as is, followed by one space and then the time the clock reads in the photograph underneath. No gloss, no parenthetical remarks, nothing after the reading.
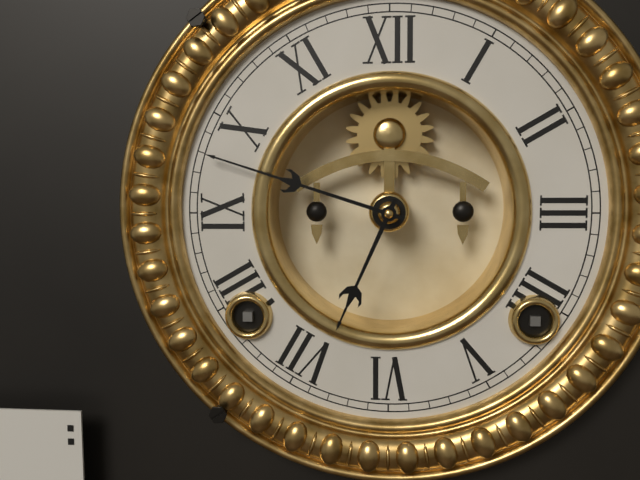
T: 6:48
